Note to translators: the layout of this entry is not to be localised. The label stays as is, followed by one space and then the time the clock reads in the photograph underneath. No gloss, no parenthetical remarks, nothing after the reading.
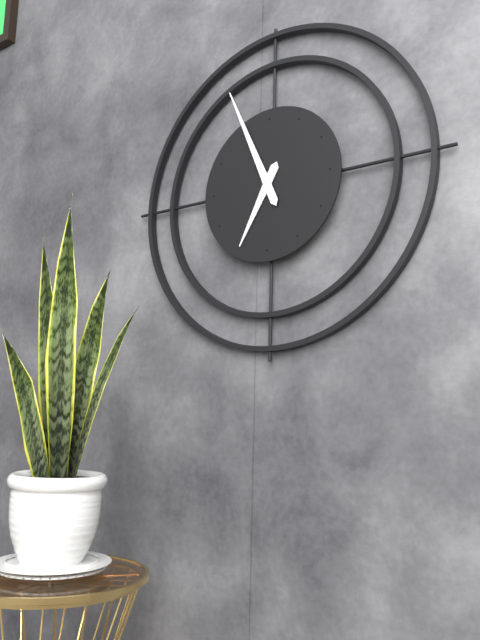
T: 6:56
